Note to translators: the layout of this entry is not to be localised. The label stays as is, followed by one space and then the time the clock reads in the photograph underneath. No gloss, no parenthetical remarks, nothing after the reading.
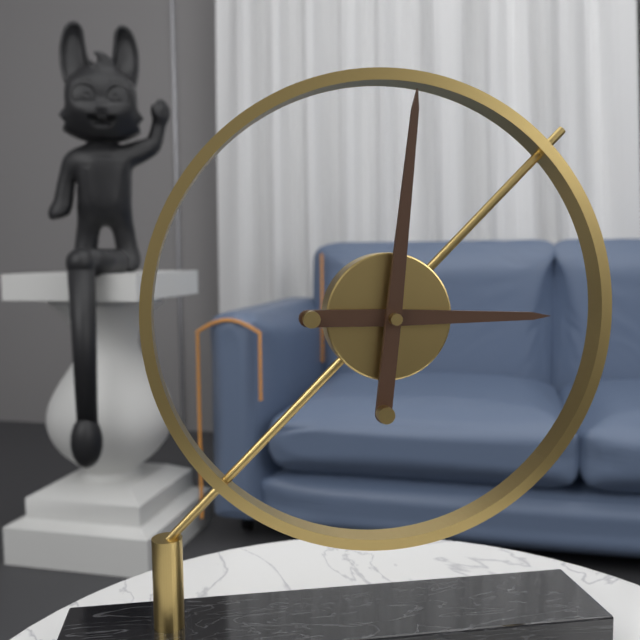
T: 3:01
